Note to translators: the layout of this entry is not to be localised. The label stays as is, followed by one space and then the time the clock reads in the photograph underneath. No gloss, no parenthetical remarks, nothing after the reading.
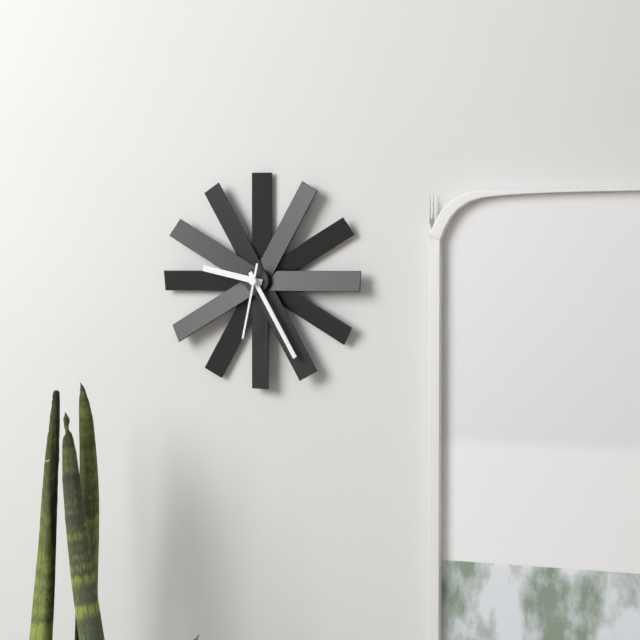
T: 9:25:32
